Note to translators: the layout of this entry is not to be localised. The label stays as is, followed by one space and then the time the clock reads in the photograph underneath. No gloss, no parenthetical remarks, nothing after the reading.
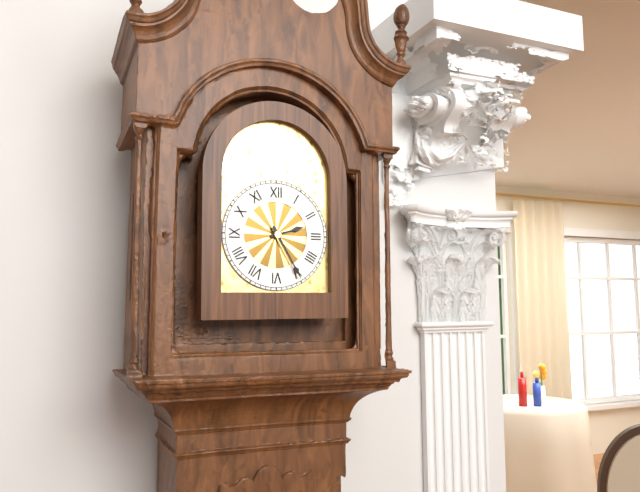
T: 2:25
